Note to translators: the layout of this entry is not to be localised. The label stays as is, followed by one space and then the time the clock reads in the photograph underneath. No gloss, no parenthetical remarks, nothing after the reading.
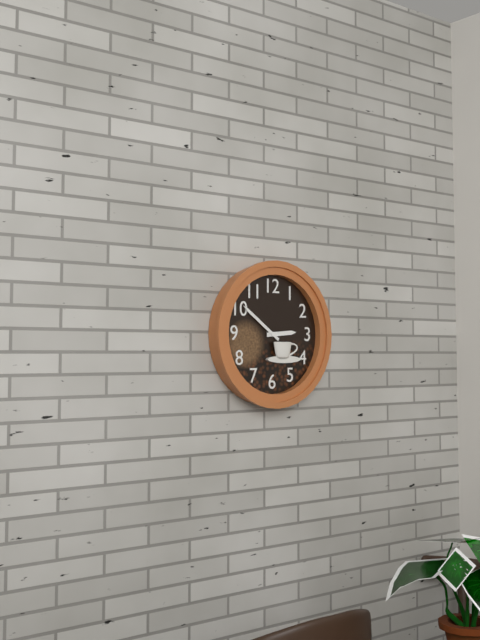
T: 2:51
